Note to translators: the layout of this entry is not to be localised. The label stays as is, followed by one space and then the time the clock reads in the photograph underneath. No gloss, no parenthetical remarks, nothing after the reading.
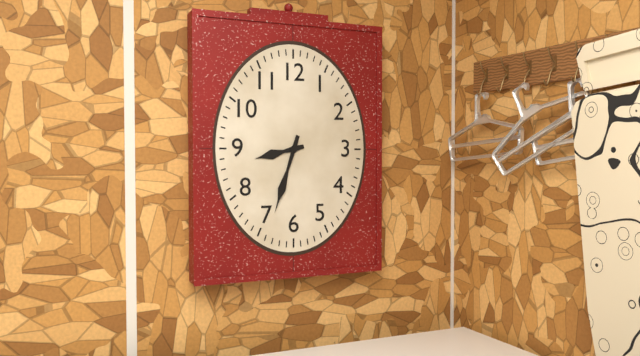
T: 8:33
